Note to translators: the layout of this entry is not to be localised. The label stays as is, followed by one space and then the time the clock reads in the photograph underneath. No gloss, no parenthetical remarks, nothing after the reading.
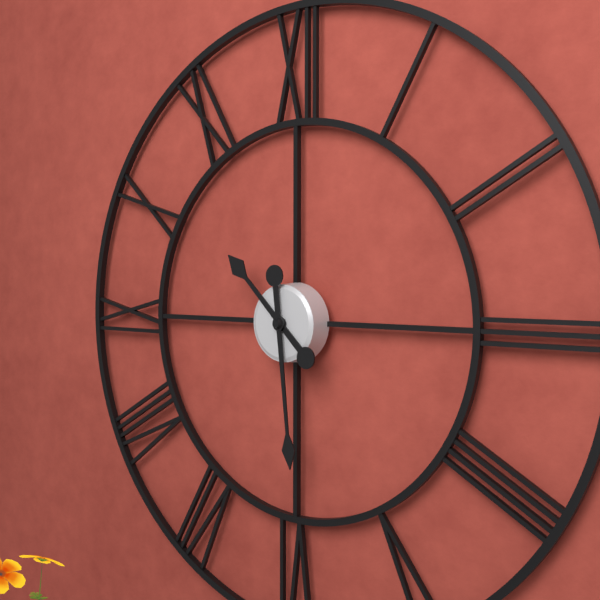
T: 10:29
